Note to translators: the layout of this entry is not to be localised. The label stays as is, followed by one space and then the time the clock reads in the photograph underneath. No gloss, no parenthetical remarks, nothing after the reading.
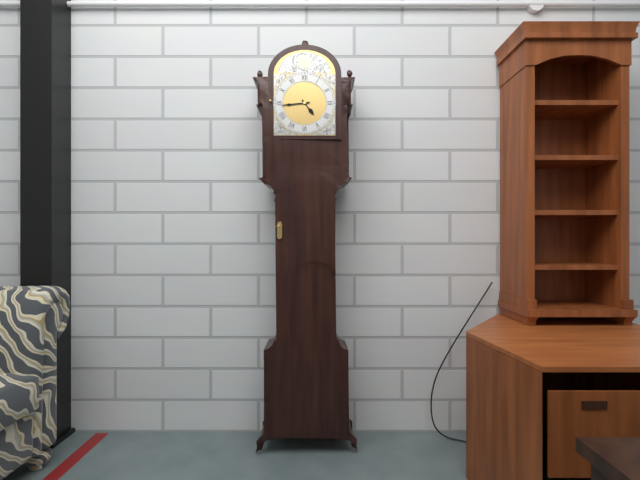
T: 4:44
